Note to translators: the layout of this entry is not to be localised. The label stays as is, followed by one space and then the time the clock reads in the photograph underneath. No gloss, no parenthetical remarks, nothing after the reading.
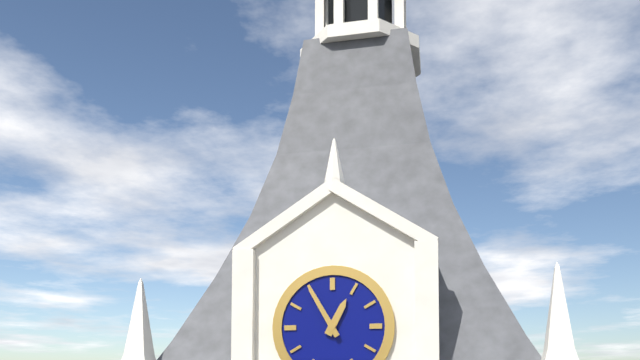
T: 12:55
